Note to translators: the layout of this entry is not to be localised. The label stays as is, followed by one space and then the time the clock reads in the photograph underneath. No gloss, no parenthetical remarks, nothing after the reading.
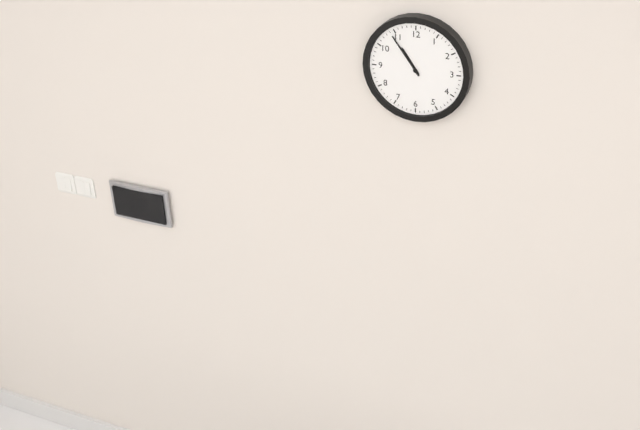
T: 10:54
